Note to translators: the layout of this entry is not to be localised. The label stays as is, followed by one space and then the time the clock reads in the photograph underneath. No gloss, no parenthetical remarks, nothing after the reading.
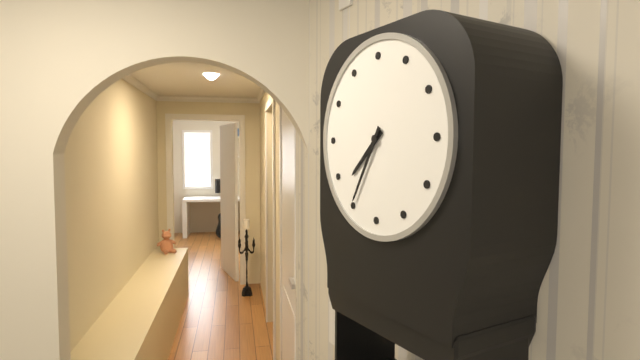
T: 7:35
